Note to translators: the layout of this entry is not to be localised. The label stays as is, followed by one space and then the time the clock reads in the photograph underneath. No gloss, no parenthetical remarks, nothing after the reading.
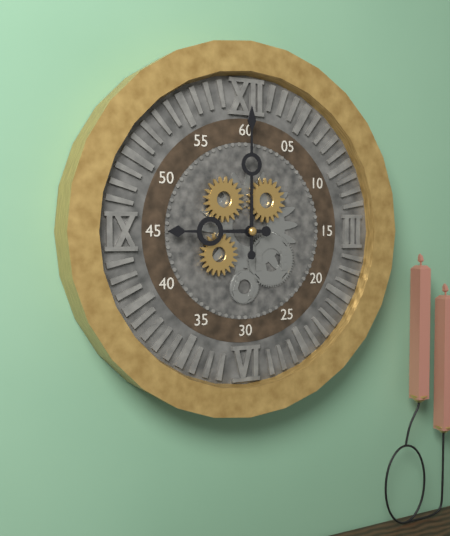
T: 9:00
